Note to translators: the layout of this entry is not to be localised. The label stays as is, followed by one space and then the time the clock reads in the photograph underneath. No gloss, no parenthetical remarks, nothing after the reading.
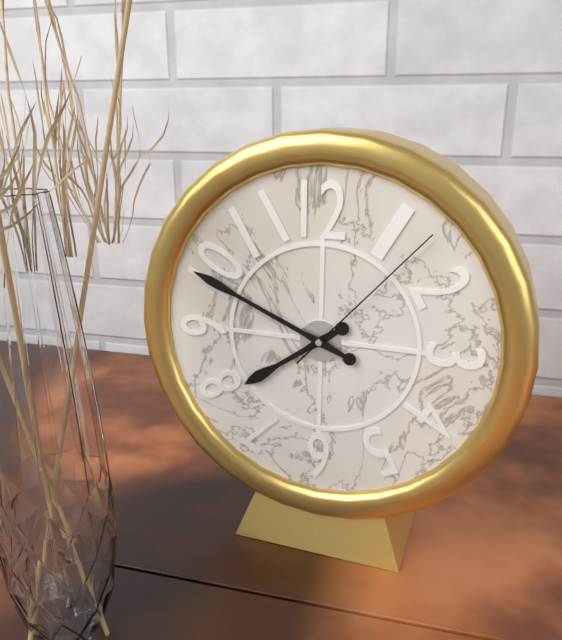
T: 7:49:07
